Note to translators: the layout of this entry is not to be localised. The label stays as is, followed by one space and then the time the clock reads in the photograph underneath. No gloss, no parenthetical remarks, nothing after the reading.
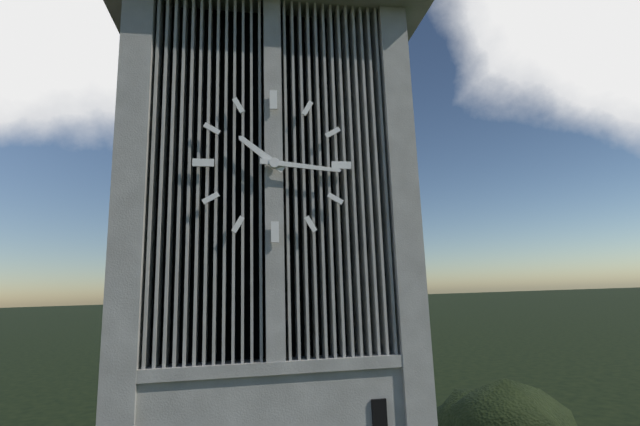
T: 10:16
